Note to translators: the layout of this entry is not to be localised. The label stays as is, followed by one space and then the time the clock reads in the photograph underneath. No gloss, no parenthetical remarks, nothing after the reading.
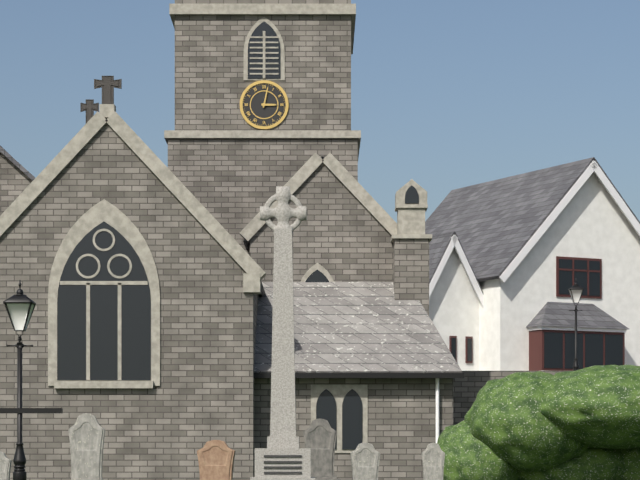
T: 3:02
